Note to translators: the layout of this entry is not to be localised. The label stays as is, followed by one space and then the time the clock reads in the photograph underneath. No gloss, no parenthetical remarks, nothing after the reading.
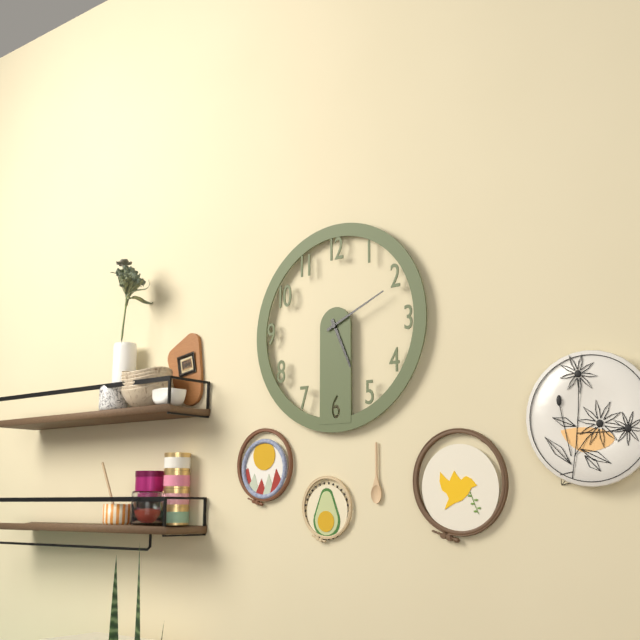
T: 5:11
